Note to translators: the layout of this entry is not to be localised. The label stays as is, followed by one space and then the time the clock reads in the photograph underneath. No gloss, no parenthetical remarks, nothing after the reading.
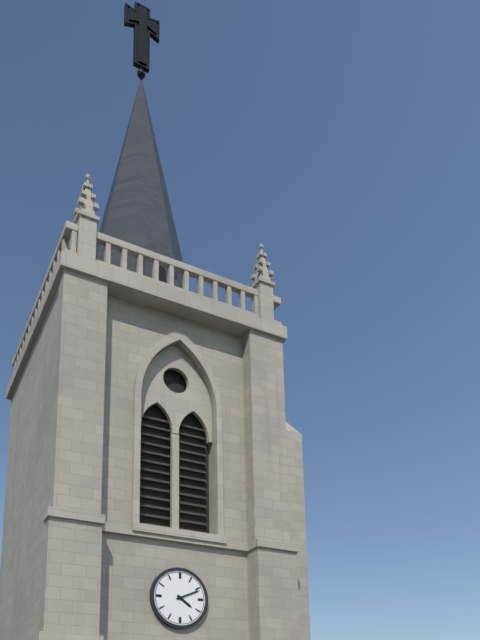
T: 4:11
